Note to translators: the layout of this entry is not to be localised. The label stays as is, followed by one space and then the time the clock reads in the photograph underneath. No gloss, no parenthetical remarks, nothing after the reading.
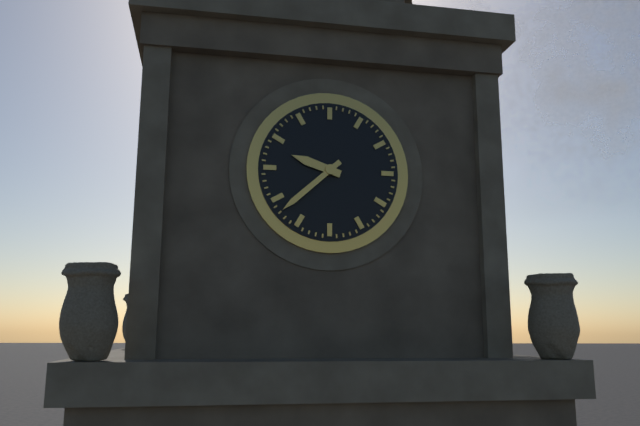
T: 9:38
